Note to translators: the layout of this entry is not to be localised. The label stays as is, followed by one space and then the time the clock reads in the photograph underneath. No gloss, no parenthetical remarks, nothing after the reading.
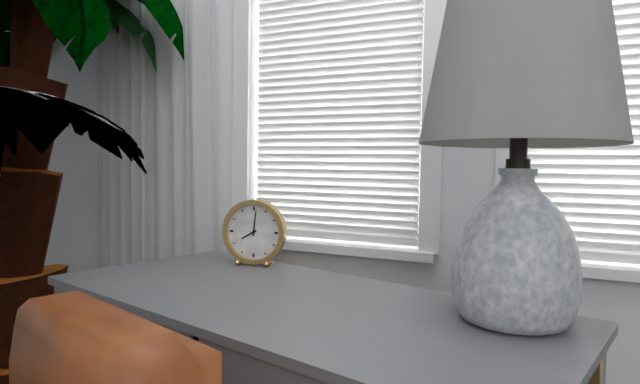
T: 8:01
